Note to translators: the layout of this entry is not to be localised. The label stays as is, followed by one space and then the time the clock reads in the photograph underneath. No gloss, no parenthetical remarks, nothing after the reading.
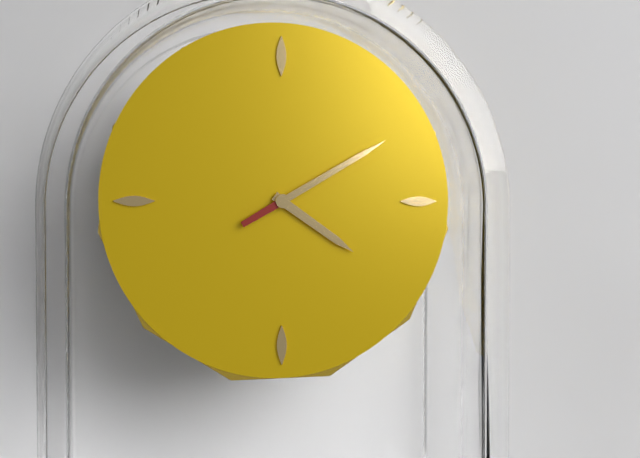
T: 4:10
